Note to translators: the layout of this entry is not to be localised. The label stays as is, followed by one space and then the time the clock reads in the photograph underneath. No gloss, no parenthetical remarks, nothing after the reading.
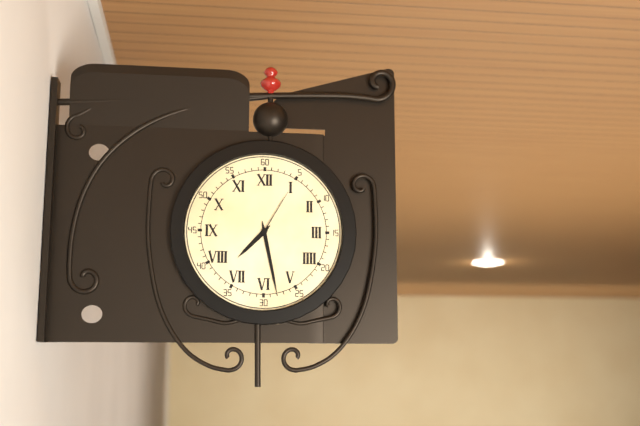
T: 7:28:05
